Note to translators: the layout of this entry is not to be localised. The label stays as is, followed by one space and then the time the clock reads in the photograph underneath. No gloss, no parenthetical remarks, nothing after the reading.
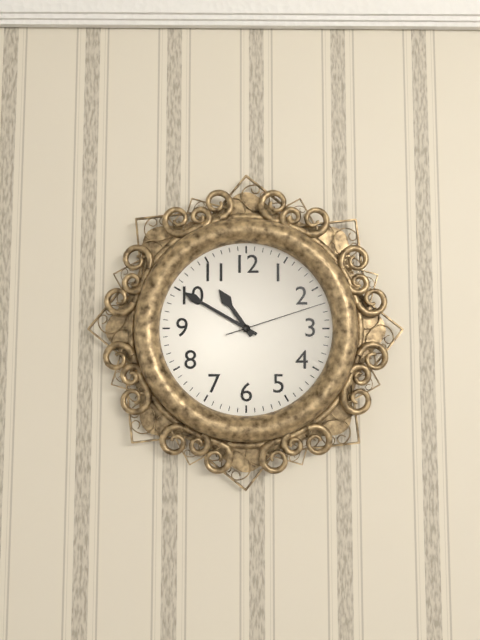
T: 10:50:12
